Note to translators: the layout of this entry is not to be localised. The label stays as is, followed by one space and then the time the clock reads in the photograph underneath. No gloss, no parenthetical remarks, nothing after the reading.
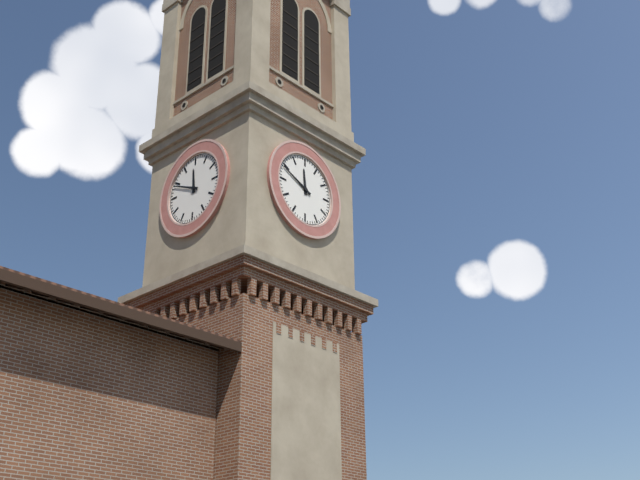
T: 11:49
